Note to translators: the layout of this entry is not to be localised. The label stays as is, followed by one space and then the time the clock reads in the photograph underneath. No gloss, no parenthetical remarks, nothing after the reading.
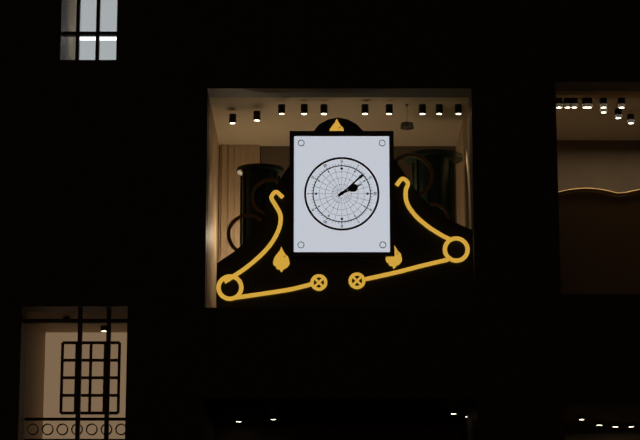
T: 2:08
